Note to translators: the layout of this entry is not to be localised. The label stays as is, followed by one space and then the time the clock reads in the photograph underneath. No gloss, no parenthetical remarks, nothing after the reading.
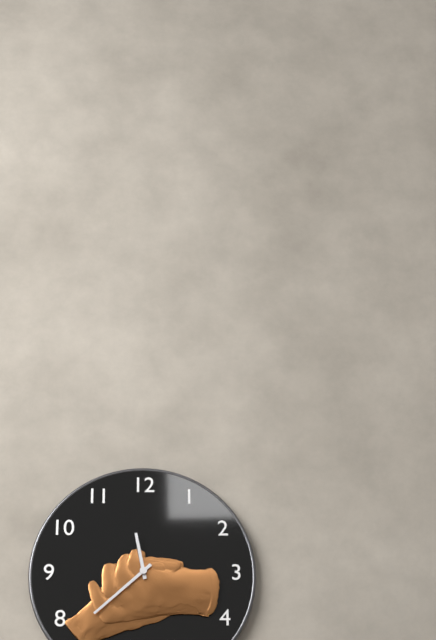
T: 11:38
